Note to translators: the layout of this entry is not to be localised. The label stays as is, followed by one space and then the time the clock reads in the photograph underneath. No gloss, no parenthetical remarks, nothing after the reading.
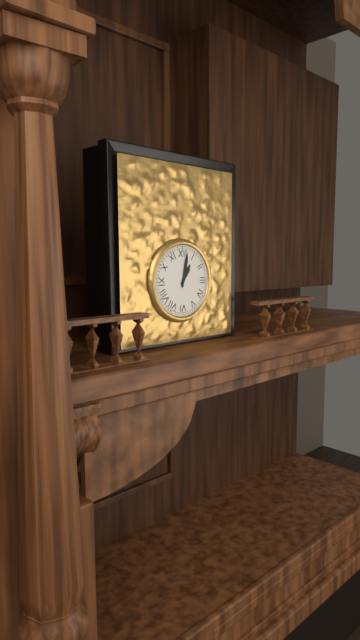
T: 1:02
